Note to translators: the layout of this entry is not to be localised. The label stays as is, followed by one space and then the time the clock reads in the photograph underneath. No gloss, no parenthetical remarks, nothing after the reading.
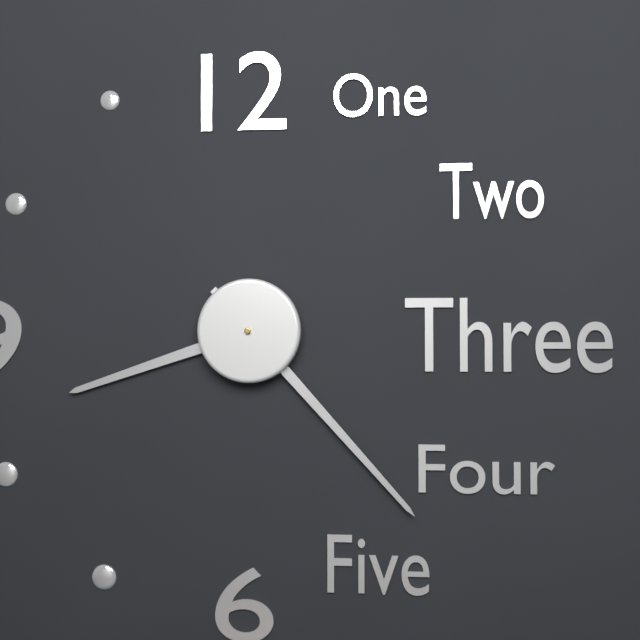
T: 8:23
